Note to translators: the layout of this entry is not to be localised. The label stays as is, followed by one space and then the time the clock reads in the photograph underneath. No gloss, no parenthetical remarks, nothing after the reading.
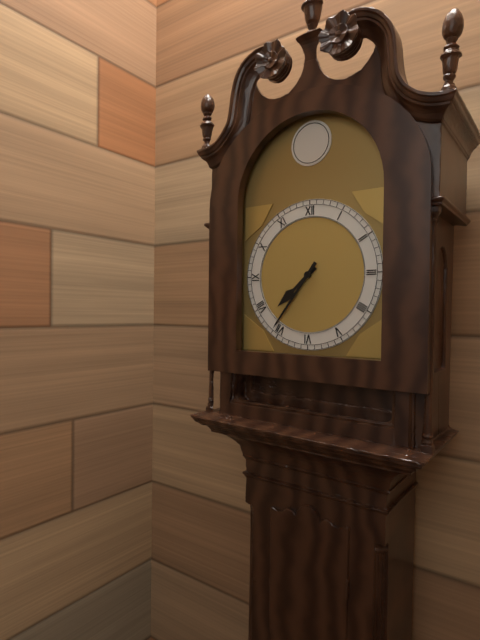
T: 7:36
